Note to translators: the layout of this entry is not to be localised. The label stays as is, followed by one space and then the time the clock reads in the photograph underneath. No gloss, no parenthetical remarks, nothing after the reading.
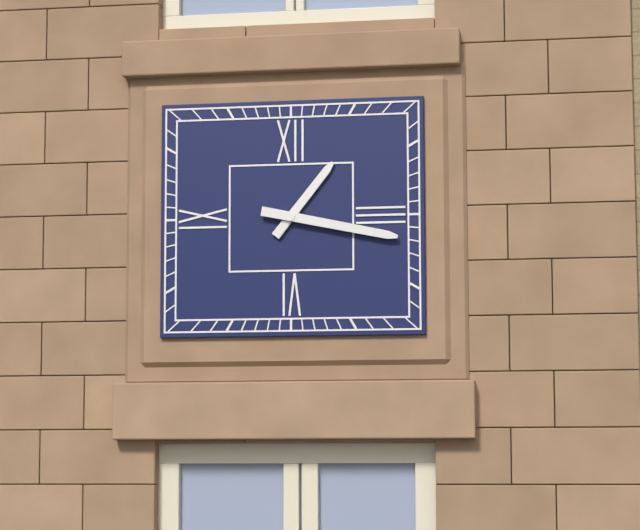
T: 1:17
